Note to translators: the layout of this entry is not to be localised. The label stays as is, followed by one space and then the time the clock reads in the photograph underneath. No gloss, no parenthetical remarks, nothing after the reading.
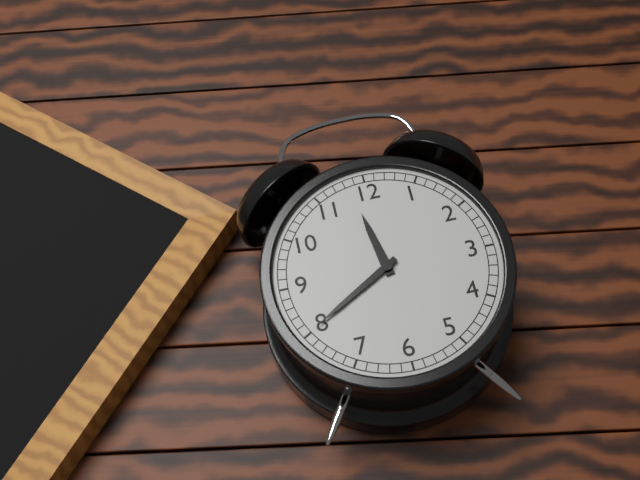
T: 11:40
